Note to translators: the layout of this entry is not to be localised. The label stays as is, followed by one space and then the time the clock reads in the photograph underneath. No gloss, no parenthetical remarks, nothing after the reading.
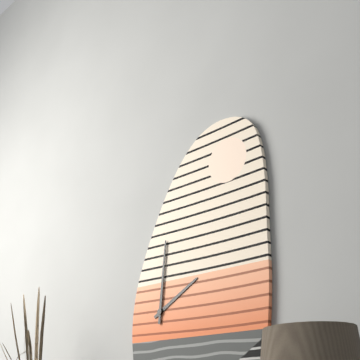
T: 2:01
